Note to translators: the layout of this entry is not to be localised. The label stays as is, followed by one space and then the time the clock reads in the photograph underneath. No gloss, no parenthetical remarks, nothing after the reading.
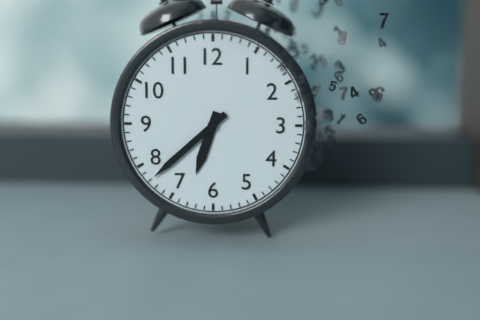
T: 6:38
